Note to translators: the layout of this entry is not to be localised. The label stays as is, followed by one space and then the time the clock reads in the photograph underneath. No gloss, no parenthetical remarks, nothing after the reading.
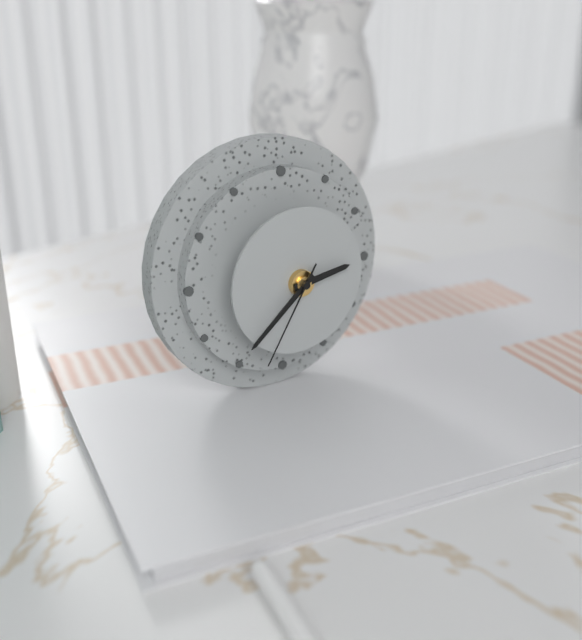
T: 2:38:35
